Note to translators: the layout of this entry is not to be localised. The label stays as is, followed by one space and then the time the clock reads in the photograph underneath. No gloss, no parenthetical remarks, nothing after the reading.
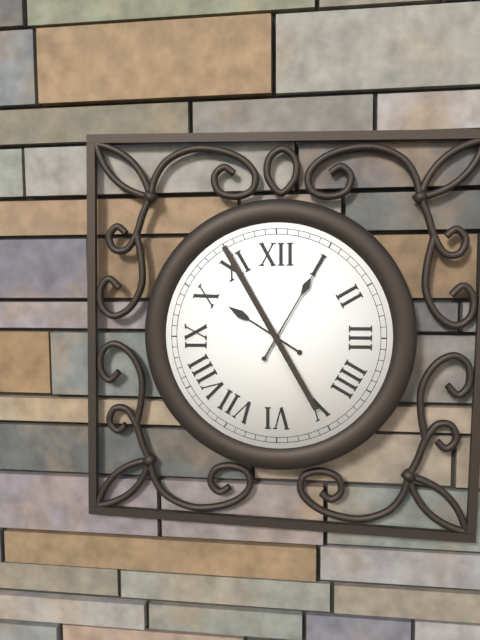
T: 10:05
